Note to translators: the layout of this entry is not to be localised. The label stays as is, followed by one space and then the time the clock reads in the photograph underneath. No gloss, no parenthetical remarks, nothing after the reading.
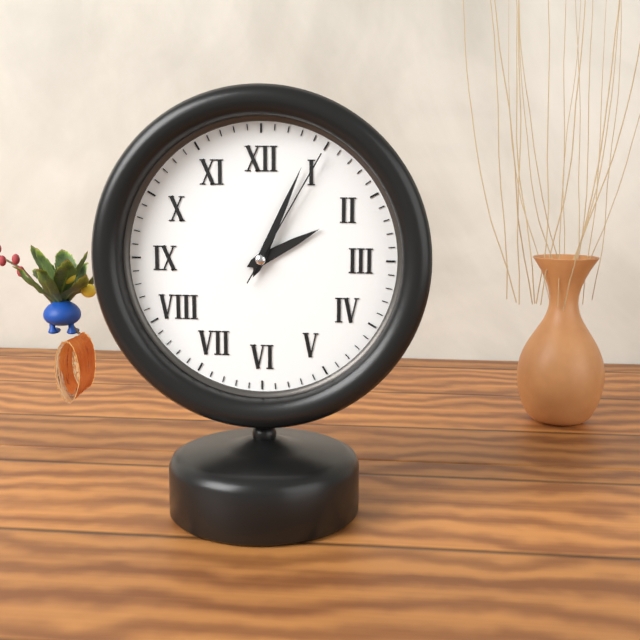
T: 2:04:05
